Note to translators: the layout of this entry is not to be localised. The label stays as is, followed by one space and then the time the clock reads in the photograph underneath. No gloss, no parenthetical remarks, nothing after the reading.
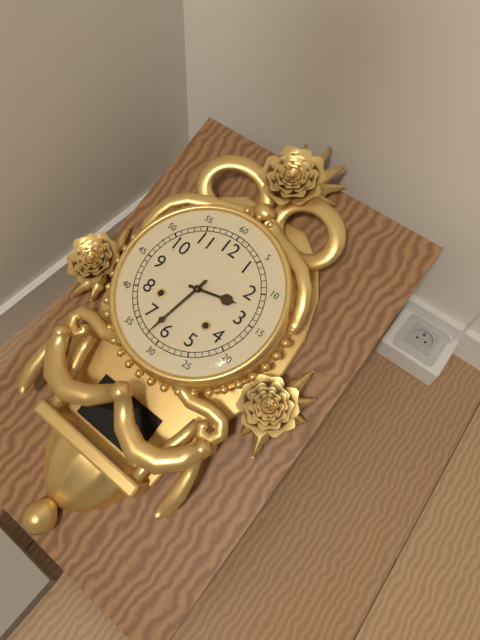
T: 2:32
